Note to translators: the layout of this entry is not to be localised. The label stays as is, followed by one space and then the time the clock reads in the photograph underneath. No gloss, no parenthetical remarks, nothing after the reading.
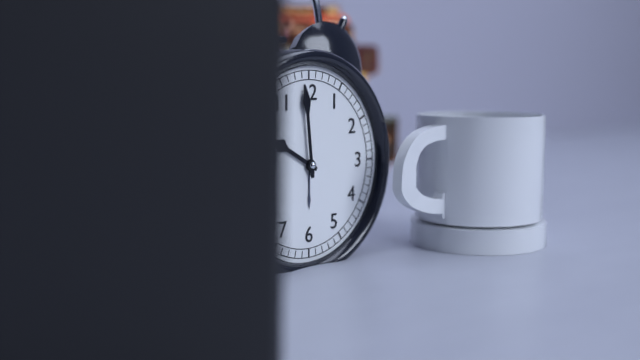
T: 9:59
